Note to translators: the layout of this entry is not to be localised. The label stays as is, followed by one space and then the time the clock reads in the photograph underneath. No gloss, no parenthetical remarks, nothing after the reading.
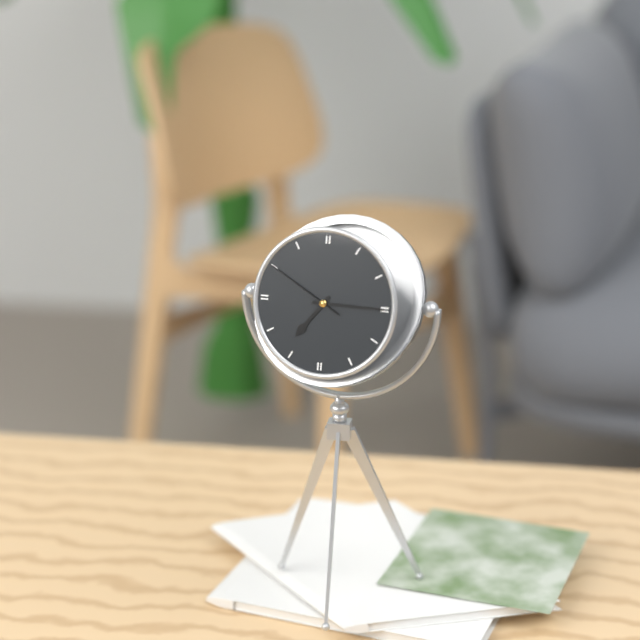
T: 7:15:50
